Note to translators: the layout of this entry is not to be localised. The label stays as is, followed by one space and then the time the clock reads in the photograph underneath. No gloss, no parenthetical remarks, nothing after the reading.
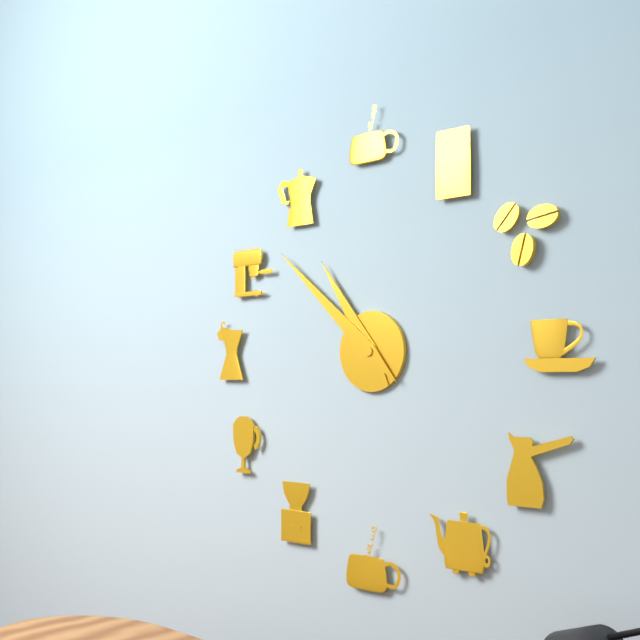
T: 10:52
